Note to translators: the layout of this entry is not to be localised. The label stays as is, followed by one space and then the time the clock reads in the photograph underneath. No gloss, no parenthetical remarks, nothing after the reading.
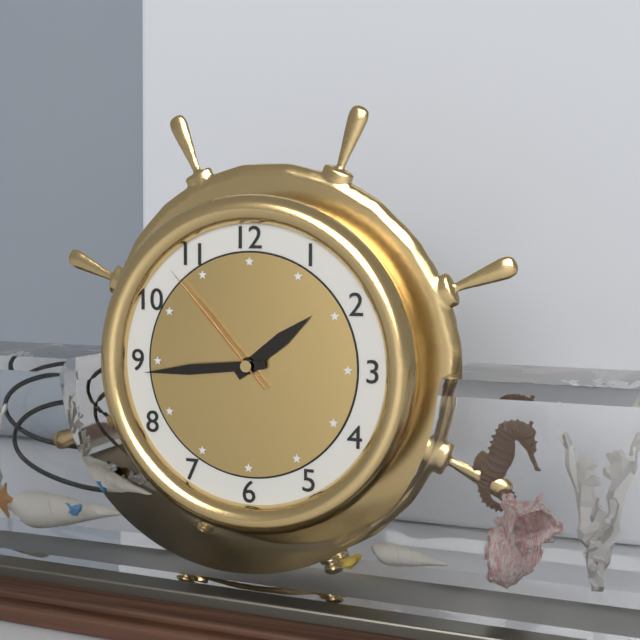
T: 1:44:53
